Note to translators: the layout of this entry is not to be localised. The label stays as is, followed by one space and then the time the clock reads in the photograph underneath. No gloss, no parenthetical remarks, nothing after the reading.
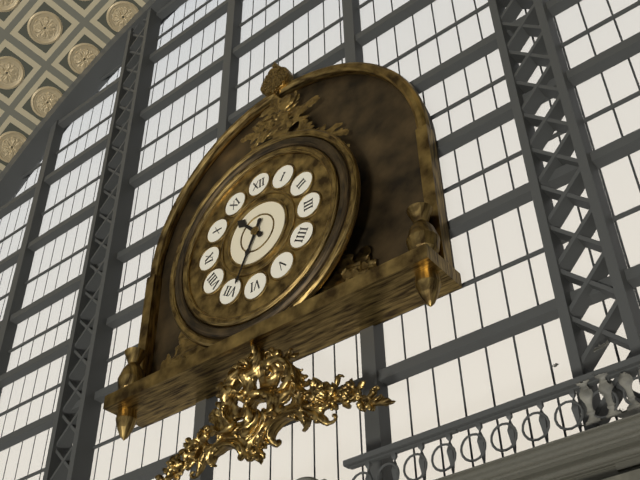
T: 10:34
